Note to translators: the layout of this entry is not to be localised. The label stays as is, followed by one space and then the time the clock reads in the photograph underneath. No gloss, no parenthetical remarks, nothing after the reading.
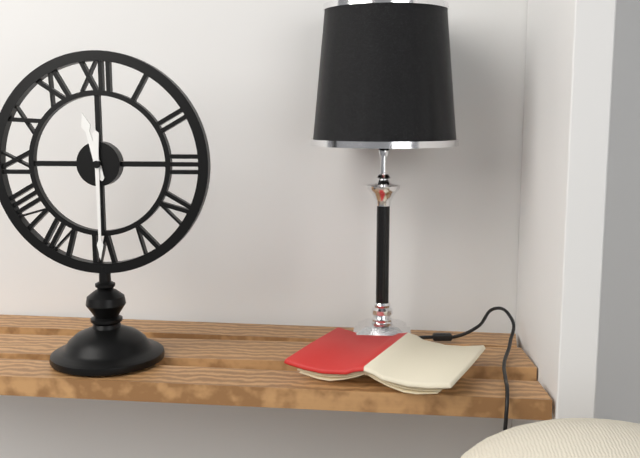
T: 11:30
